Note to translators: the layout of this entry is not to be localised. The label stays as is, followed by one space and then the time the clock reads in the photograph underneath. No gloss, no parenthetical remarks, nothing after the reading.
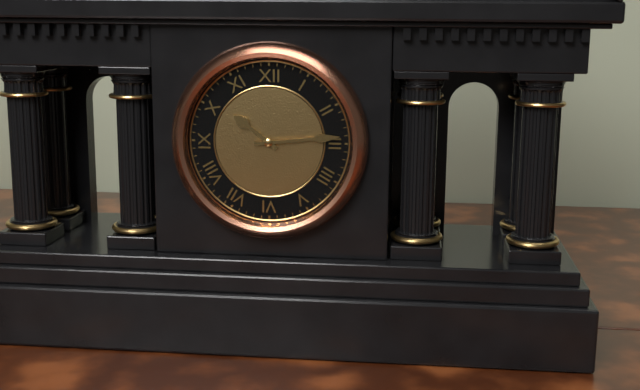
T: 10:14
